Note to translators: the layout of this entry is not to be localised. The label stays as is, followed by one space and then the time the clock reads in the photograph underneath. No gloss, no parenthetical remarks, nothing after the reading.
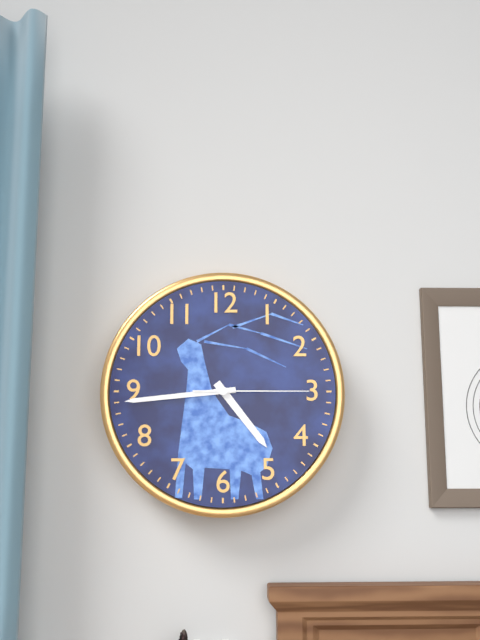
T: 4:44:15
